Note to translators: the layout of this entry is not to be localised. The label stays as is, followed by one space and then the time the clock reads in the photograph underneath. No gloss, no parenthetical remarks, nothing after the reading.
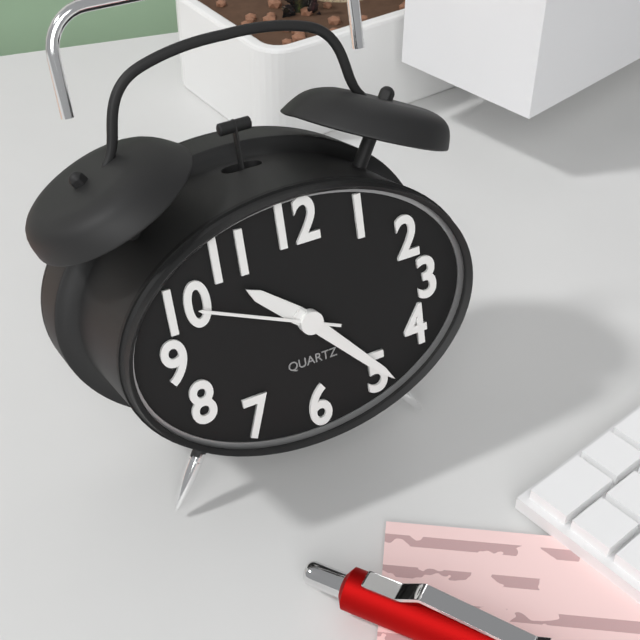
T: 10:23:49
